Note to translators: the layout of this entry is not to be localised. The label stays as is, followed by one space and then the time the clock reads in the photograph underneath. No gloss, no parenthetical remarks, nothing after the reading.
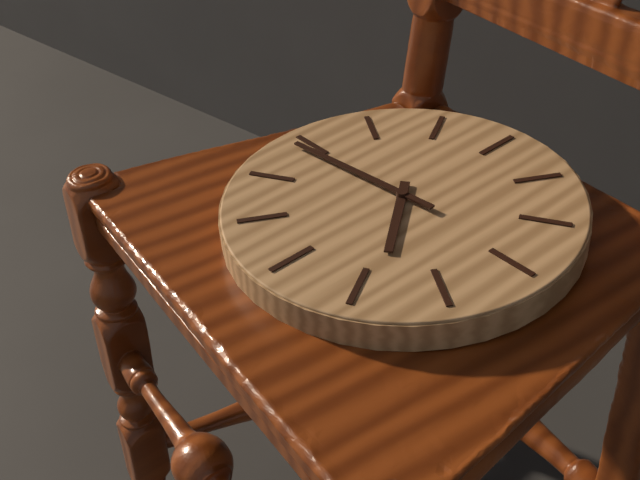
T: 4:44
